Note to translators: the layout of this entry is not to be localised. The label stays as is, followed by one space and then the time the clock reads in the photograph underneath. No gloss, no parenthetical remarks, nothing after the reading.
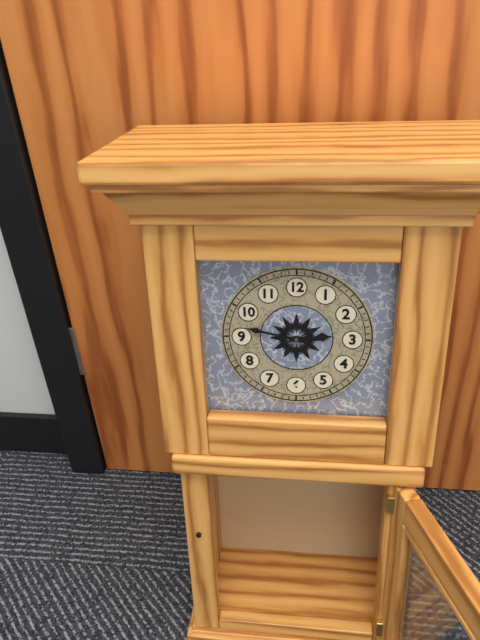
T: 2:47
